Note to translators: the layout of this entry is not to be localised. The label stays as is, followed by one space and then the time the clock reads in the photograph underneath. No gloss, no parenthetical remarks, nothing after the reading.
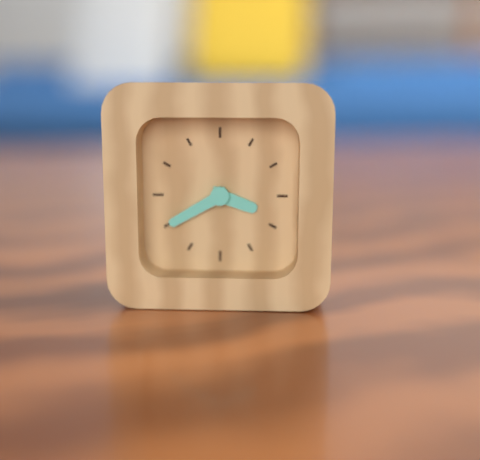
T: 3:40
